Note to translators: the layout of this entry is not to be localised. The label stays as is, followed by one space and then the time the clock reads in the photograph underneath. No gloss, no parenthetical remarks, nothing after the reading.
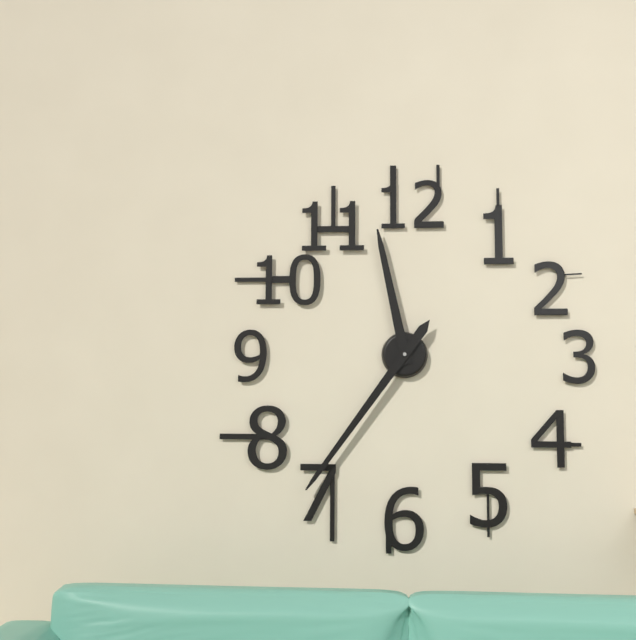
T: 11:36
